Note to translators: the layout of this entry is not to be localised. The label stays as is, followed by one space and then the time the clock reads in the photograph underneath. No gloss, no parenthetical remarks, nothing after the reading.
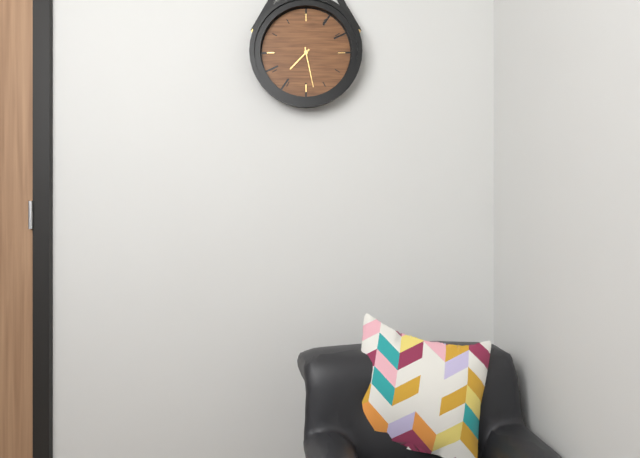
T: 7:28
